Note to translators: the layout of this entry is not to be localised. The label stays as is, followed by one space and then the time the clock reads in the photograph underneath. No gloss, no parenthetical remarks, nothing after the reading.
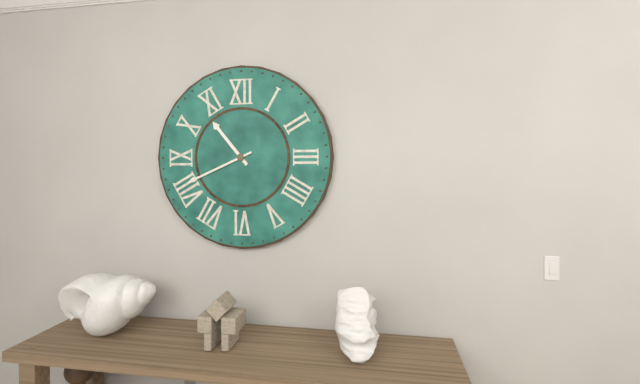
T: 10:41
